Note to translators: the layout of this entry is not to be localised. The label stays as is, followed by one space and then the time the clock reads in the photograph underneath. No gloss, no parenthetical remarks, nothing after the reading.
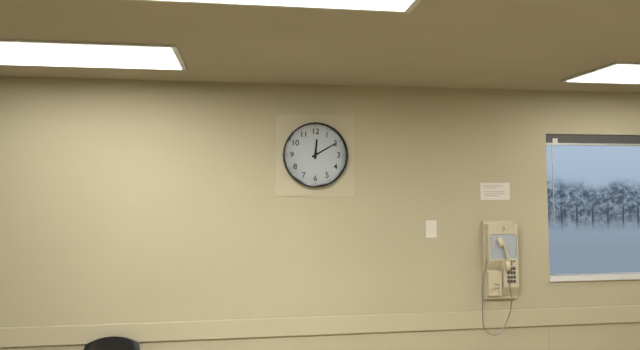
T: 12:10
